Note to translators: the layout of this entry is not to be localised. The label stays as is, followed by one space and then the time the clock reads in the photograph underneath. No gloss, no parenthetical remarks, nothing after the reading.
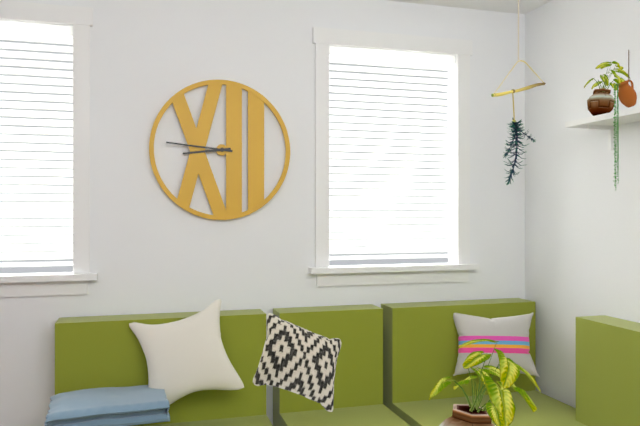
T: 8:46
